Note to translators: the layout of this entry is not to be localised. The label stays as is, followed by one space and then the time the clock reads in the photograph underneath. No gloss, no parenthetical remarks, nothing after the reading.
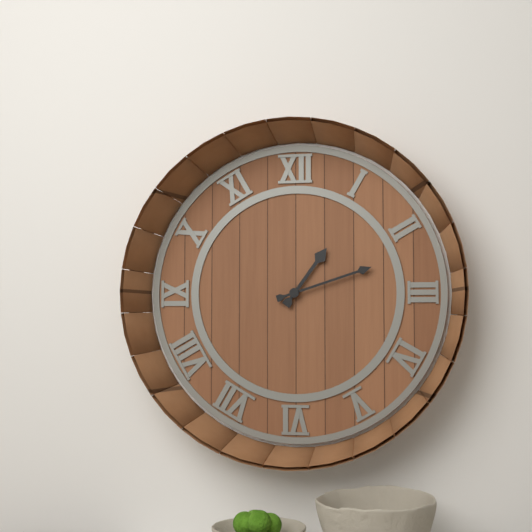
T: 1:12
